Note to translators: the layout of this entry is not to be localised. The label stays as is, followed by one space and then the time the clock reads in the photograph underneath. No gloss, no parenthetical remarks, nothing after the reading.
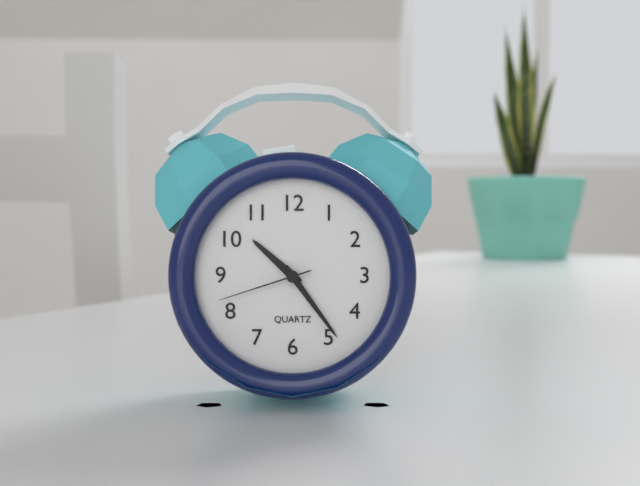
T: 10:24:42
